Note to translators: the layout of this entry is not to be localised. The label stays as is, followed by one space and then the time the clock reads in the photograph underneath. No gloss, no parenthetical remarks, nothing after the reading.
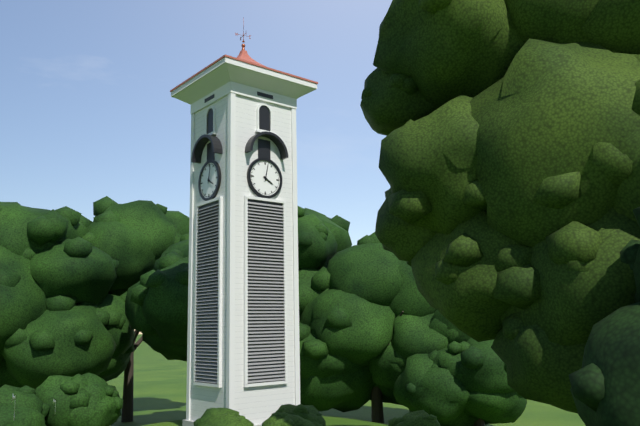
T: 4:02
